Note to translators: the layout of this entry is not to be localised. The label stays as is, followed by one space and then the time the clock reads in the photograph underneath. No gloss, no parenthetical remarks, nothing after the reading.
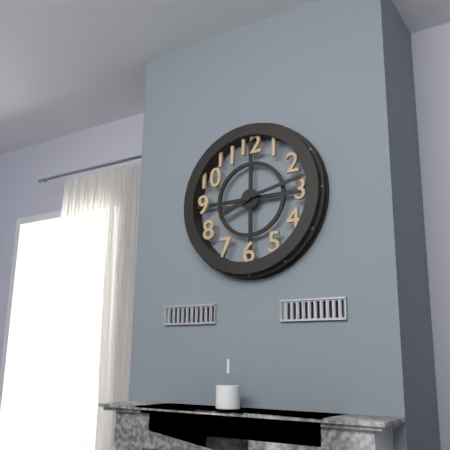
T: 8:13
